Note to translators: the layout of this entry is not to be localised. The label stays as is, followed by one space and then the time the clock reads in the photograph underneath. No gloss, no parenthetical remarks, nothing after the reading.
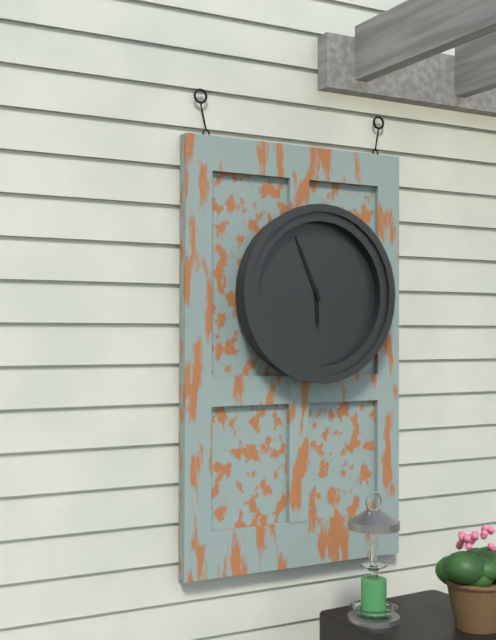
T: 5:56
